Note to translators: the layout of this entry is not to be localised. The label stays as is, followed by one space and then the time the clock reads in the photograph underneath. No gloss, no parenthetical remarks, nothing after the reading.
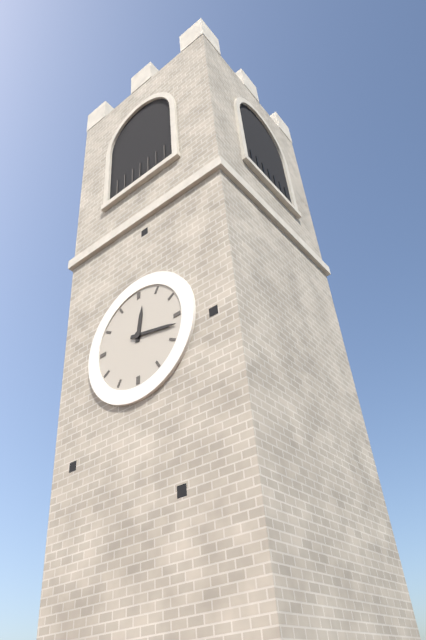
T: 12:17
